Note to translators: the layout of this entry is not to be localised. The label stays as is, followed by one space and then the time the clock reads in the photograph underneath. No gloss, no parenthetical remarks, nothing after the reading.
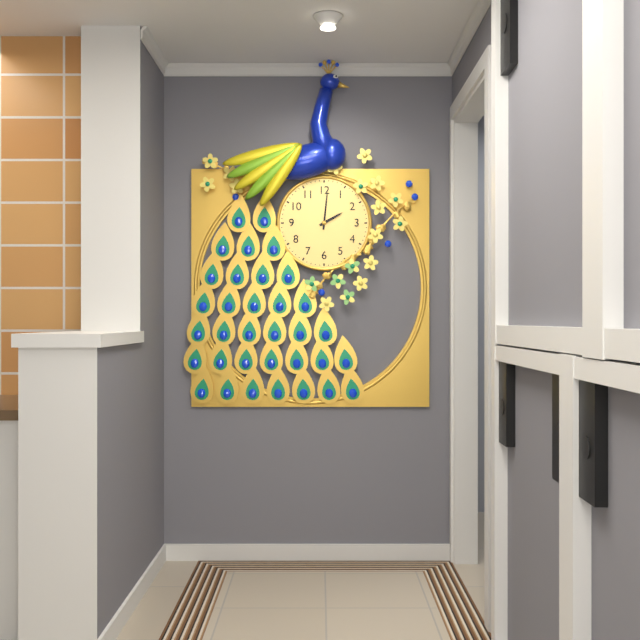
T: 2:01
